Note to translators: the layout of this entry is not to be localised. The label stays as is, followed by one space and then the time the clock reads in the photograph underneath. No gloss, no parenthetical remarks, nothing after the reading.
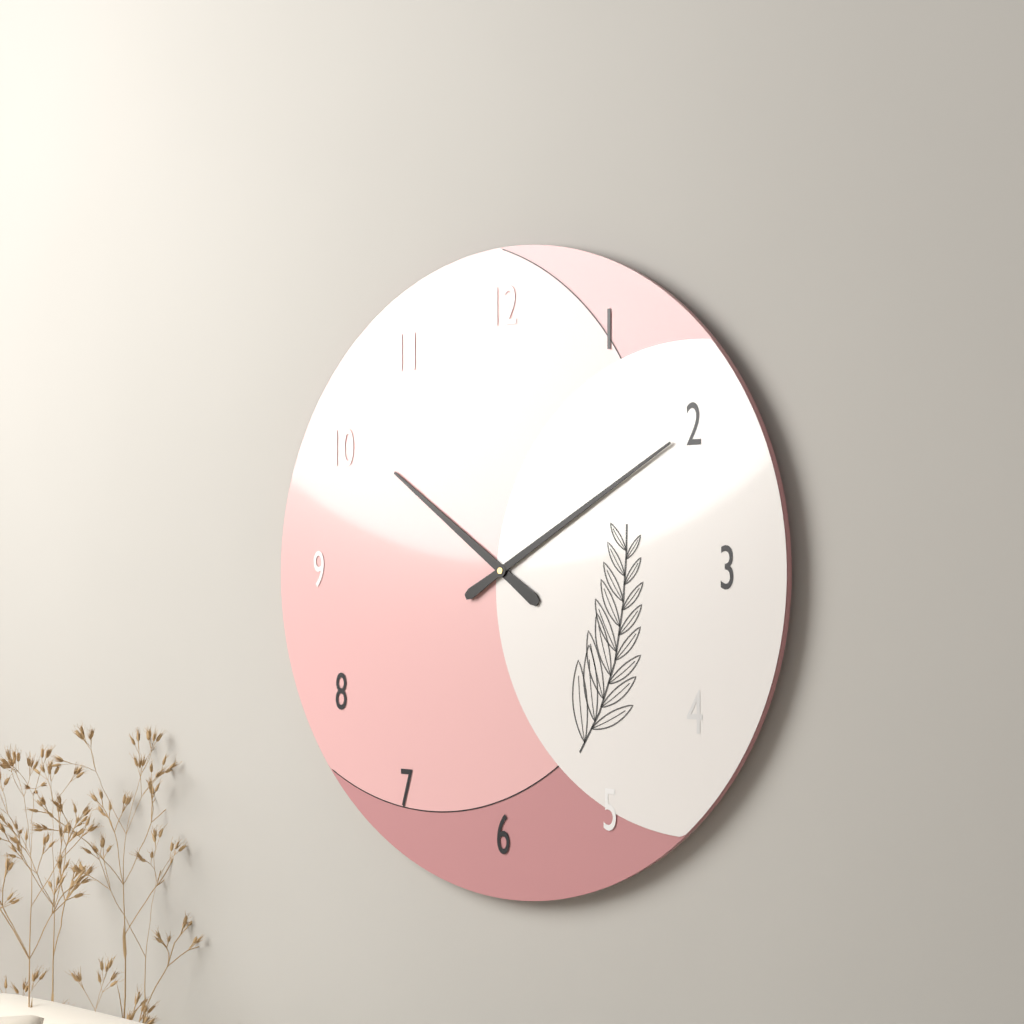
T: 10:10
